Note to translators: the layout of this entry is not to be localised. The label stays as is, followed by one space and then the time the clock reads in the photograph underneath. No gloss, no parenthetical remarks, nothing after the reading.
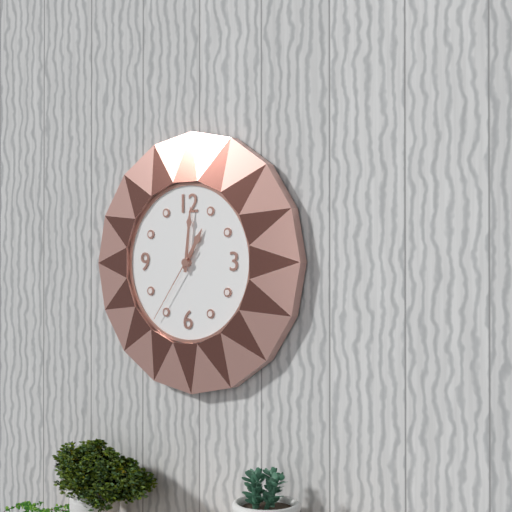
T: 1:01:36
